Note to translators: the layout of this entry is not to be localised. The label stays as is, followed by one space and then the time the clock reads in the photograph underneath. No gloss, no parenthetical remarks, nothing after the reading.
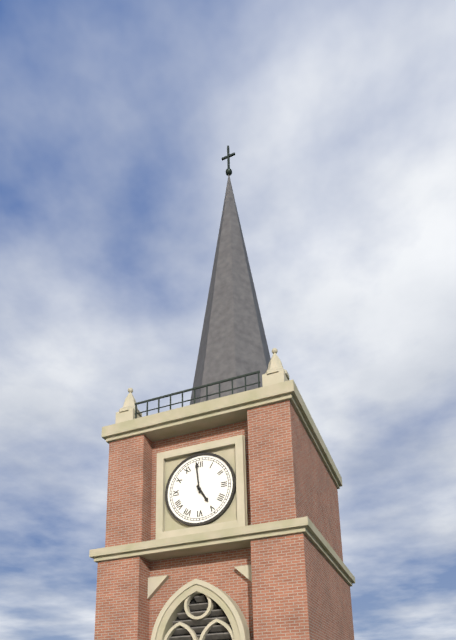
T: 4:59
